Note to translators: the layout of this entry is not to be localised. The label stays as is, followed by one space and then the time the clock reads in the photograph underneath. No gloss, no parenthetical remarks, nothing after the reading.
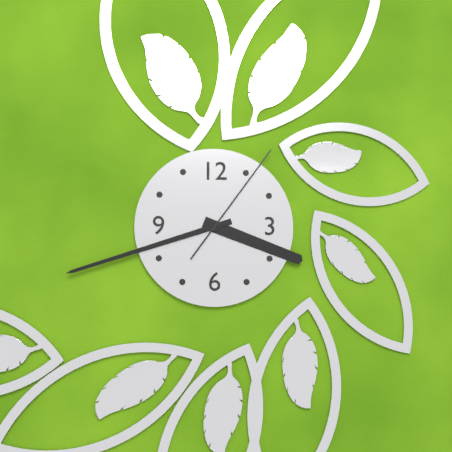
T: 3:42:06
